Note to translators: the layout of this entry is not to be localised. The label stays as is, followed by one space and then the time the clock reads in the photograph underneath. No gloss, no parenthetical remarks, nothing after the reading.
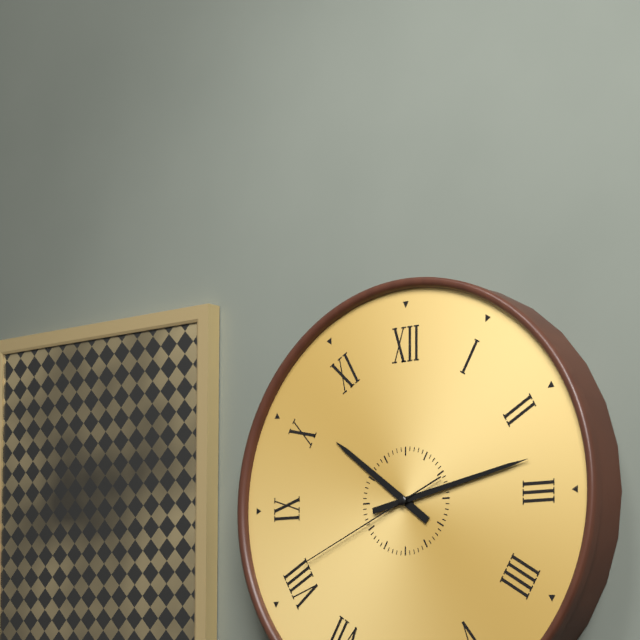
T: 10:13:41
